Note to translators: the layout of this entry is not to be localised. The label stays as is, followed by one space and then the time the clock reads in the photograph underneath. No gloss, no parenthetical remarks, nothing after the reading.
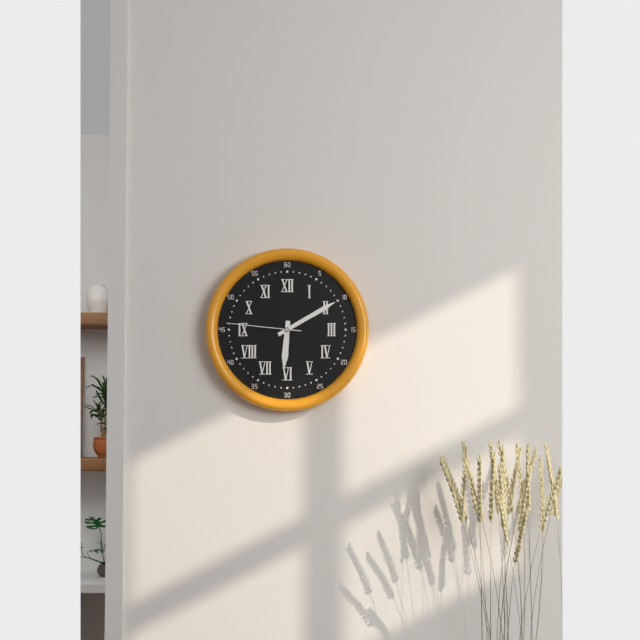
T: 6:10:46
